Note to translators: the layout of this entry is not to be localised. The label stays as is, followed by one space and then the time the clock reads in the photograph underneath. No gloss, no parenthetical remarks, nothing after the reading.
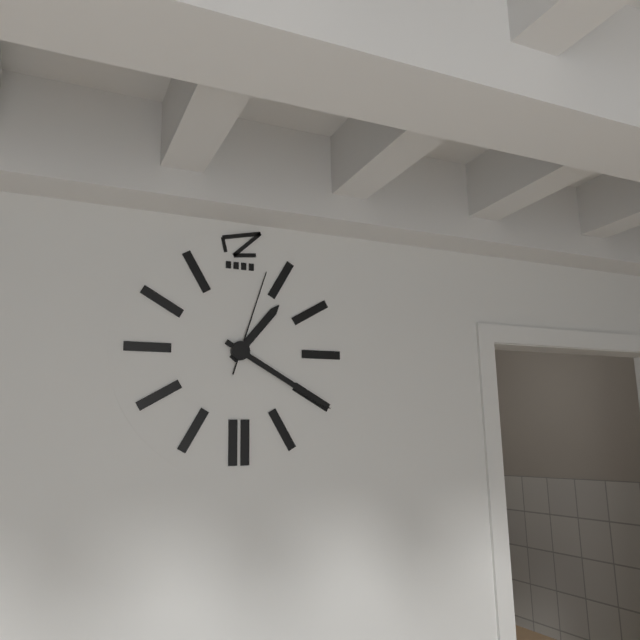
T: 1:20:03
